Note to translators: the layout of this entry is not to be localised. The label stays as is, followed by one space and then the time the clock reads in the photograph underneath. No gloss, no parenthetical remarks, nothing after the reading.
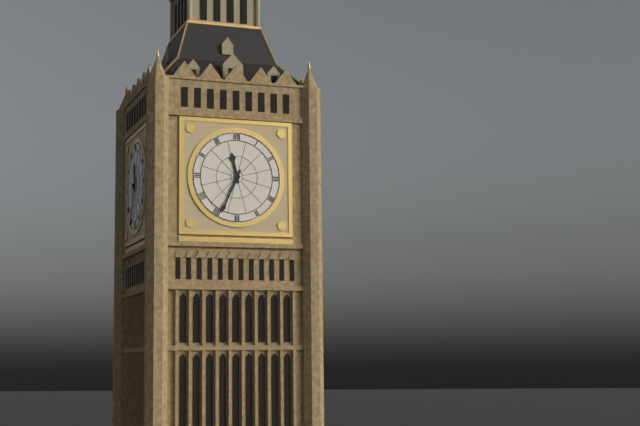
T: 11:34
